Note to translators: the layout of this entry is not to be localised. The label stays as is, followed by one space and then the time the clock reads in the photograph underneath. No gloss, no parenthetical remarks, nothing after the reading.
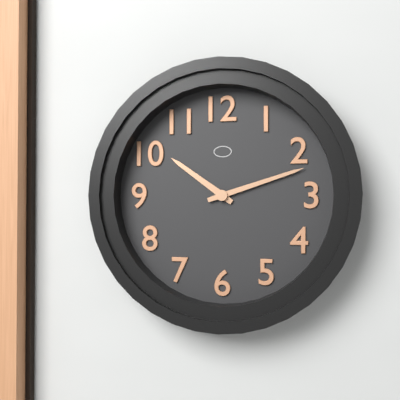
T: 10:12
